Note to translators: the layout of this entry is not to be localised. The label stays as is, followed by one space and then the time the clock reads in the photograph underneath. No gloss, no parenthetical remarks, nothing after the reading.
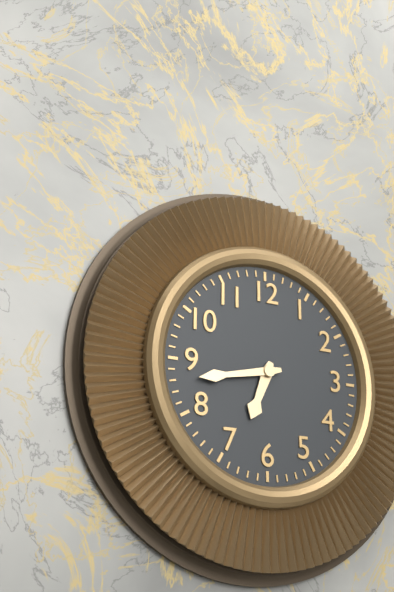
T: 6:43
